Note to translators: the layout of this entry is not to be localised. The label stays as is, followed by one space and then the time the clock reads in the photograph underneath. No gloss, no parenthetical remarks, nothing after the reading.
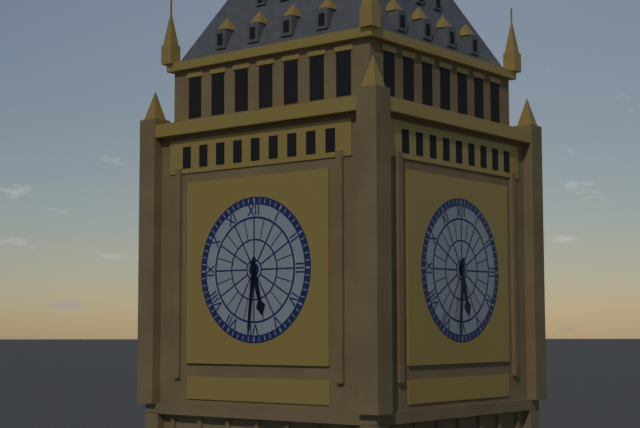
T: 5:31
